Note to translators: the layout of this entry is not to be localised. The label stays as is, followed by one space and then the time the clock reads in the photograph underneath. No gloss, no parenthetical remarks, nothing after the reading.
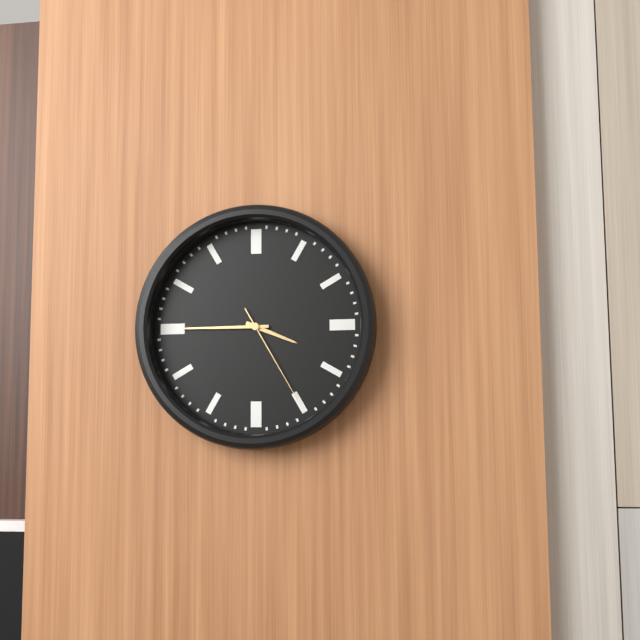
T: 3:45:25
